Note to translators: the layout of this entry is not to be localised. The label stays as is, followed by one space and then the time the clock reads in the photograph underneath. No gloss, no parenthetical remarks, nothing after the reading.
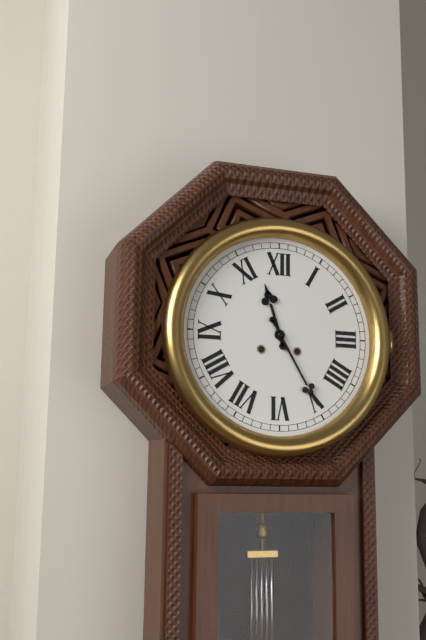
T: 11:25
